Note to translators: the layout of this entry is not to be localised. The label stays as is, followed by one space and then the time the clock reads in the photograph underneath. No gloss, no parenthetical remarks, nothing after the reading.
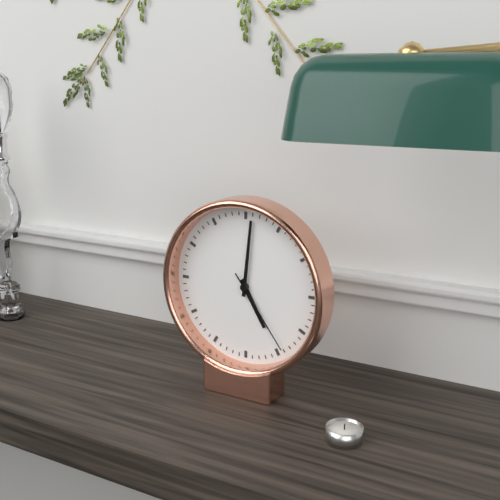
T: 5:01:24
